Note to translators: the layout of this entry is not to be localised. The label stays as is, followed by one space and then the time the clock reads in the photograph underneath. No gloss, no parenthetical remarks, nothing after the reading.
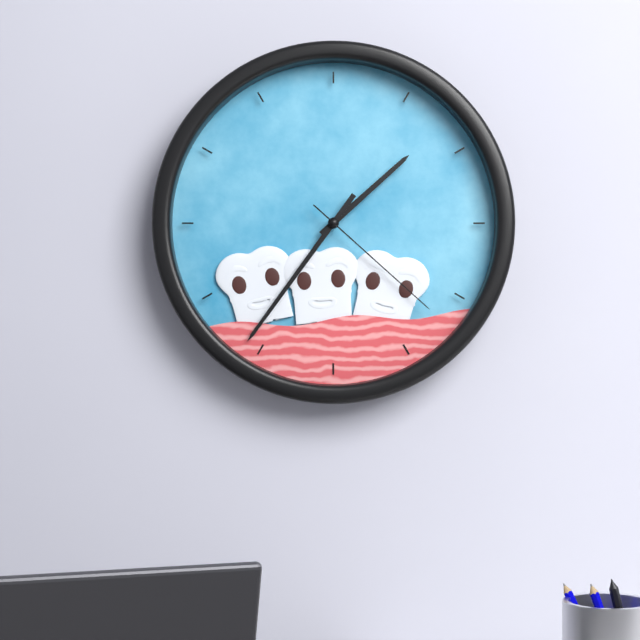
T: 1:36:22
